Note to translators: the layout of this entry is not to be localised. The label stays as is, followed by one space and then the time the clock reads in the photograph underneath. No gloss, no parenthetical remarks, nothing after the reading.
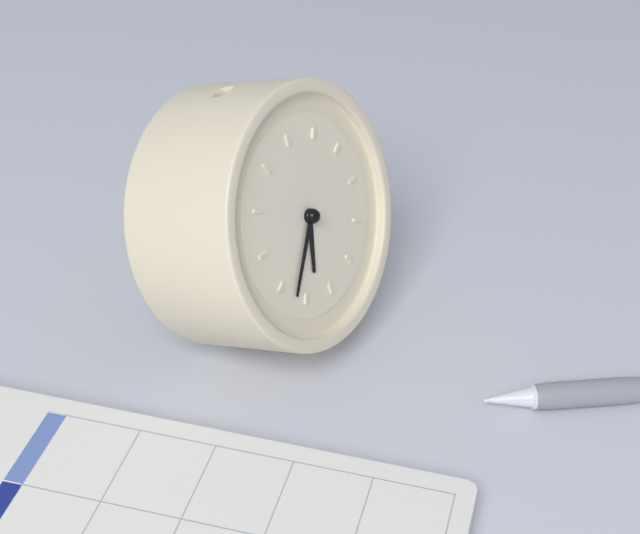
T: 6:37
